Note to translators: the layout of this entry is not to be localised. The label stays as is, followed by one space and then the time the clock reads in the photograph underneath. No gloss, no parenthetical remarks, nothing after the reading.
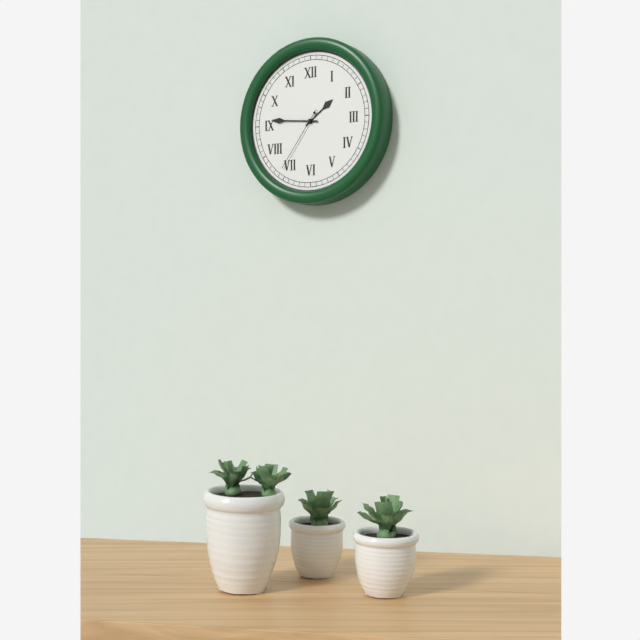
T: 1:46:36
